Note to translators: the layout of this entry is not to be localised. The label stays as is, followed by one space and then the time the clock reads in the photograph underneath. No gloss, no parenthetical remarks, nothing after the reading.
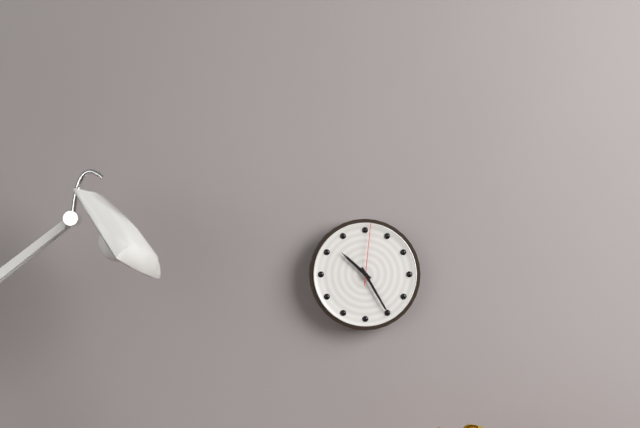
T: 10:25:01
